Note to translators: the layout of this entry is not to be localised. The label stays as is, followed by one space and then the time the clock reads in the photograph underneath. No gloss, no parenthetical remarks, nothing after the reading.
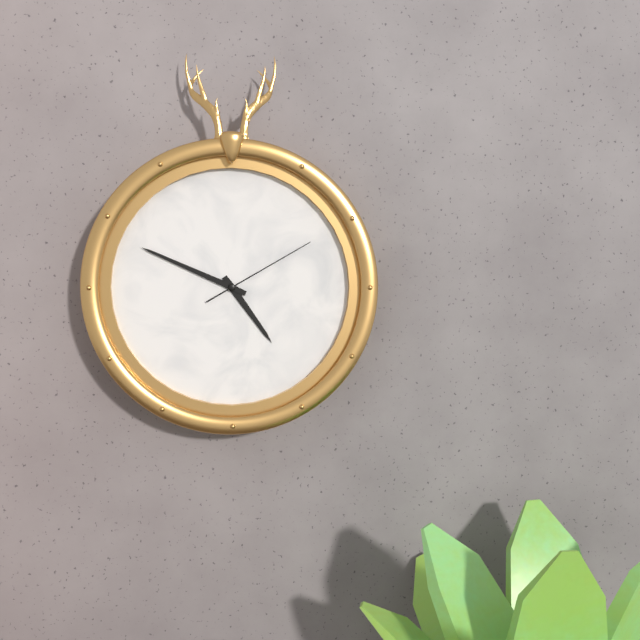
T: 4:49:10
